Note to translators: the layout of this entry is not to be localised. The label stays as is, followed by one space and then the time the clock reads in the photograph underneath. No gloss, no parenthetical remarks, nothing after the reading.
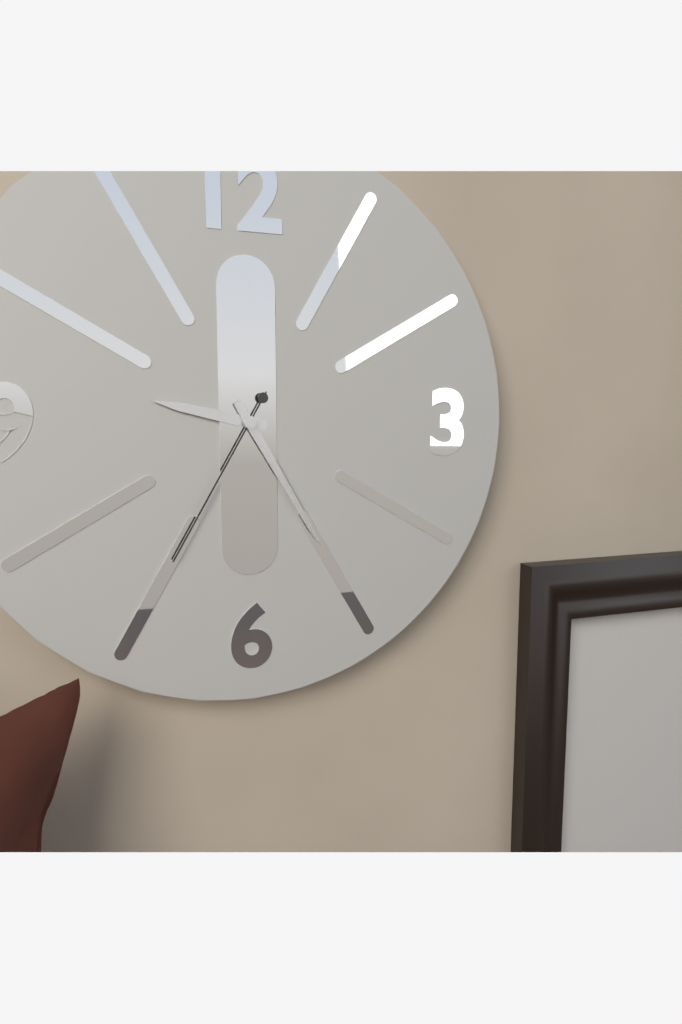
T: 9:25:35
